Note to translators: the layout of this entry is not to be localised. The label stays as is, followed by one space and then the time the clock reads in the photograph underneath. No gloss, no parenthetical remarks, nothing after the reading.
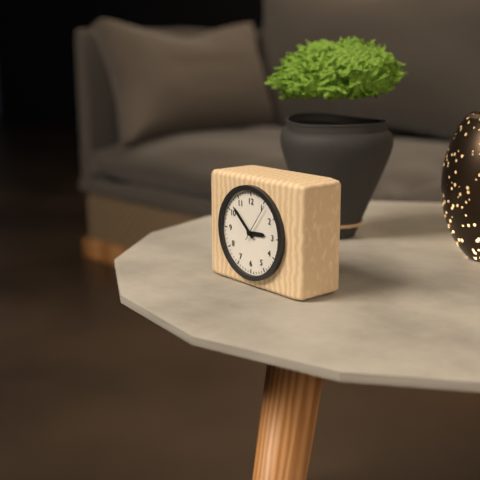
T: 2:52
